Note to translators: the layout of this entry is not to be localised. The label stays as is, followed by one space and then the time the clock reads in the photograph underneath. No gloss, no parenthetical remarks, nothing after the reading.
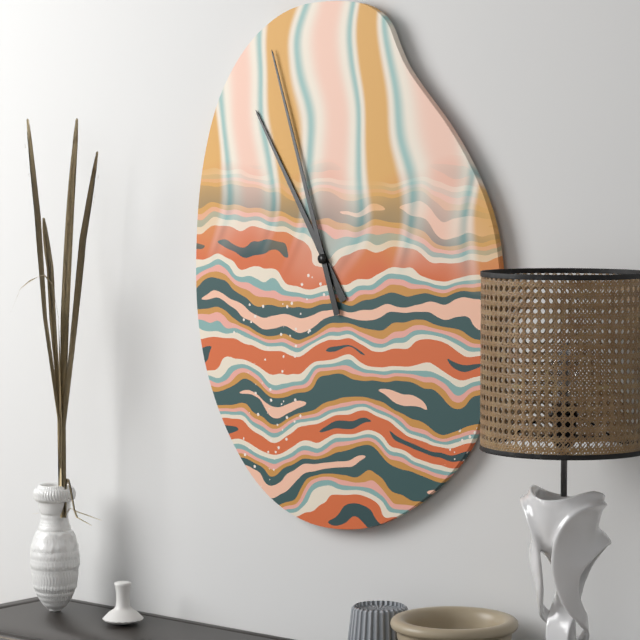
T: 10:57
